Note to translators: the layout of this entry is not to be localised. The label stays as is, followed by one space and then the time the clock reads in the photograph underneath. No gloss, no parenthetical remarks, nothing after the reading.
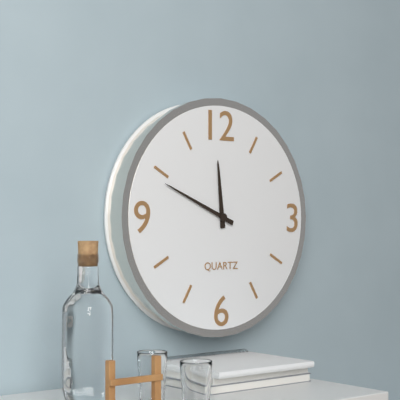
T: 11:49
